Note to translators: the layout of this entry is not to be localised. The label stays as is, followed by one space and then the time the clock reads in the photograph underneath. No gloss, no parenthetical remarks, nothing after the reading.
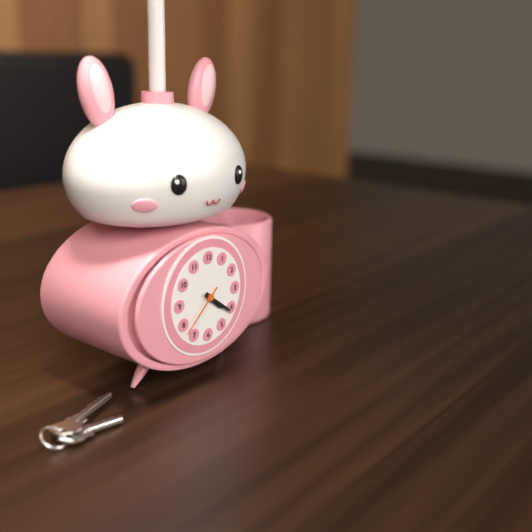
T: 4:21:38
